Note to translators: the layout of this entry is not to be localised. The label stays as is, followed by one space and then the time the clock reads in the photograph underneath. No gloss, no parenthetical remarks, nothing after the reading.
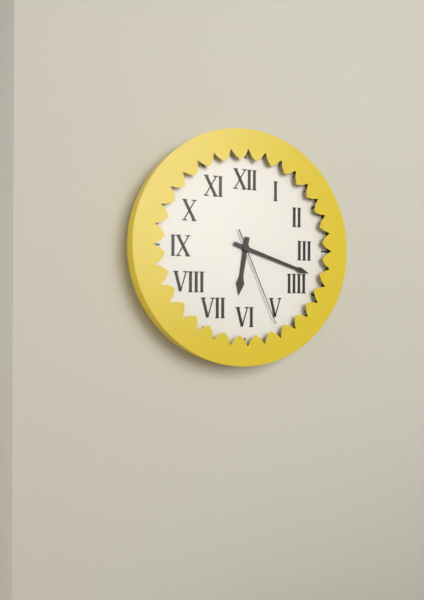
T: 6:18:26
